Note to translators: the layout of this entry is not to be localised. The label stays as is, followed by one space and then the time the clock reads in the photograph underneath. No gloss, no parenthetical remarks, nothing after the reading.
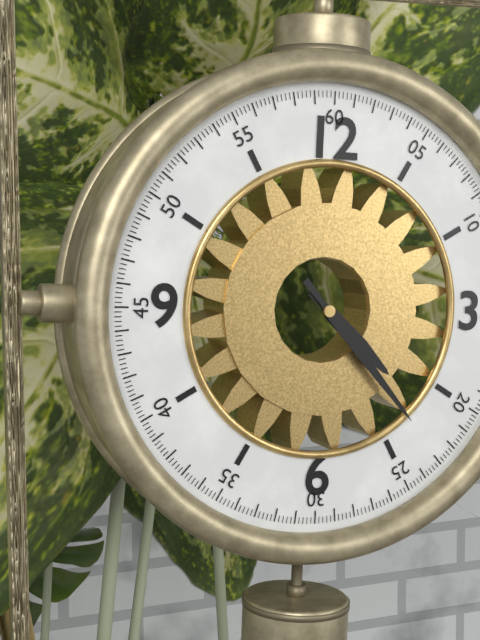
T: 4:23
